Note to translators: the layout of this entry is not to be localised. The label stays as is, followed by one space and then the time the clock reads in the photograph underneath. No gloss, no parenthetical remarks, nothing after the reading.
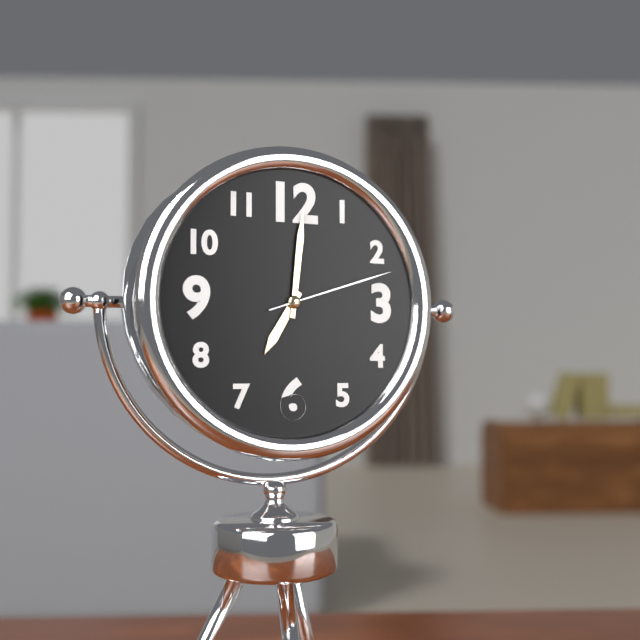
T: 7:01:12
